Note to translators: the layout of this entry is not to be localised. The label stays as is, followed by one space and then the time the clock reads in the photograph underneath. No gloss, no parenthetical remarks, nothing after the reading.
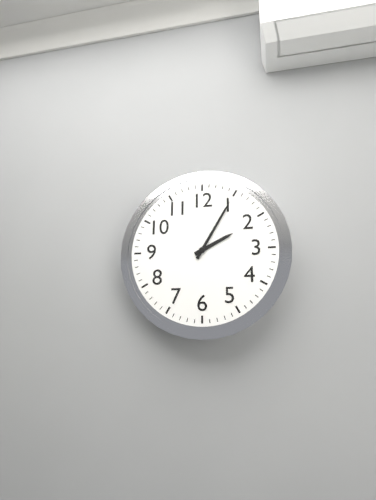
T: 2:05
